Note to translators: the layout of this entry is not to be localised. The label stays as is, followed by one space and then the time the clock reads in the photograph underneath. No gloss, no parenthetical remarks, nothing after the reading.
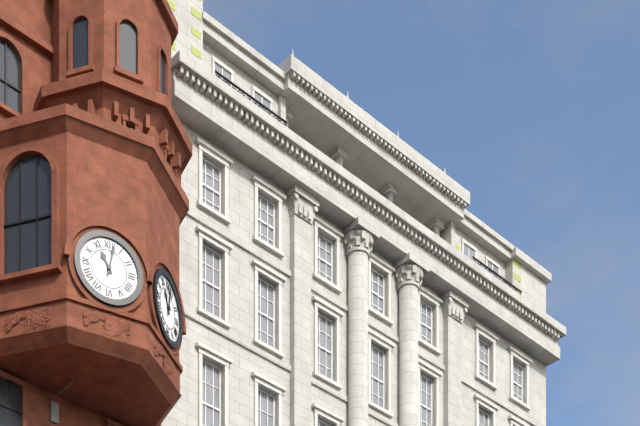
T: 11:02
